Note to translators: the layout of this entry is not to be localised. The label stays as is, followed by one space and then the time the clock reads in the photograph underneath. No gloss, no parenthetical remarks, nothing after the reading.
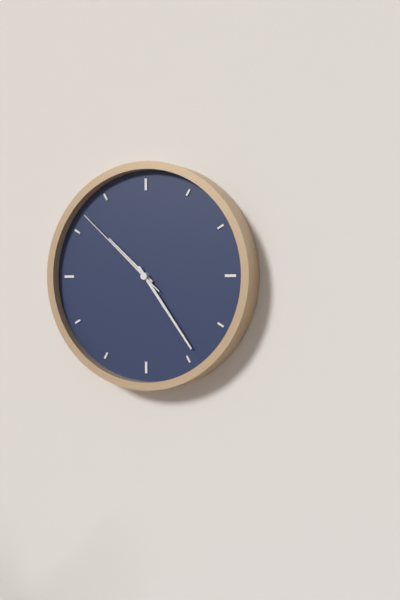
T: 10:24:52
